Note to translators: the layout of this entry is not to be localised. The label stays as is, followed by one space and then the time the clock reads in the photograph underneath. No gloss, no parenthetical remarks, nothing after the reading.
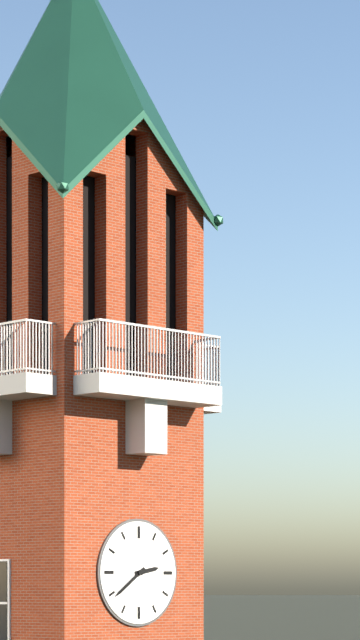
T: 2:39
